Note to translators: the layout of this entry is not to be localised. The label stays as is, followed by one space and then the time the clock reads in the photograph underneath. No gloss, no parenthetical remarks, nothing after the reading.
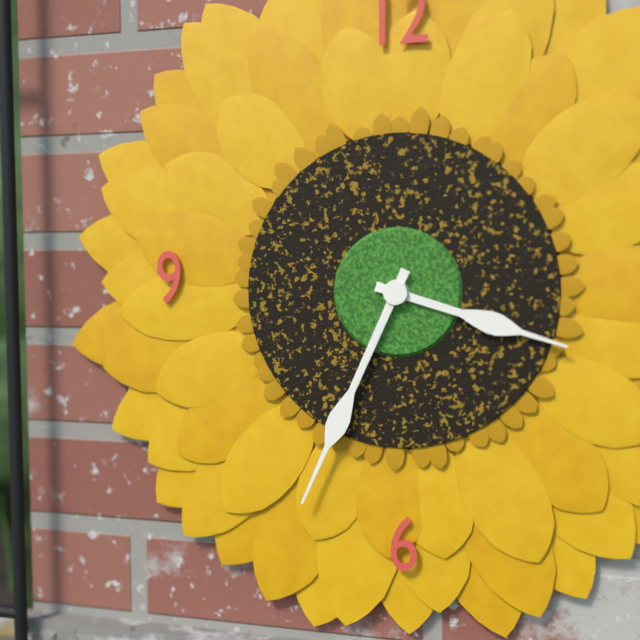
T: 3:34
